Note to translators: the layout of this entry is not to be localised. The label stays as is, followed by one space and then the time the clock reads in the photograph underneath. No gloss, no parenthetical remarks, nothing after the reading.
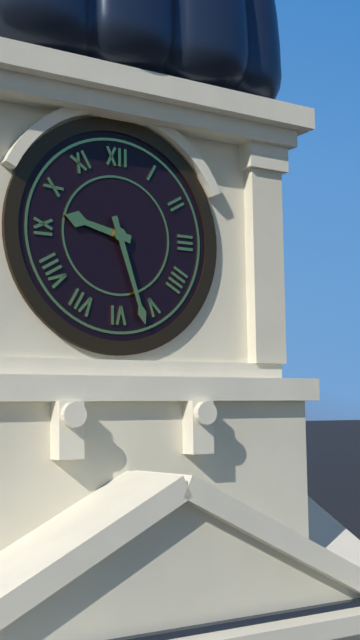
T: 9:27
